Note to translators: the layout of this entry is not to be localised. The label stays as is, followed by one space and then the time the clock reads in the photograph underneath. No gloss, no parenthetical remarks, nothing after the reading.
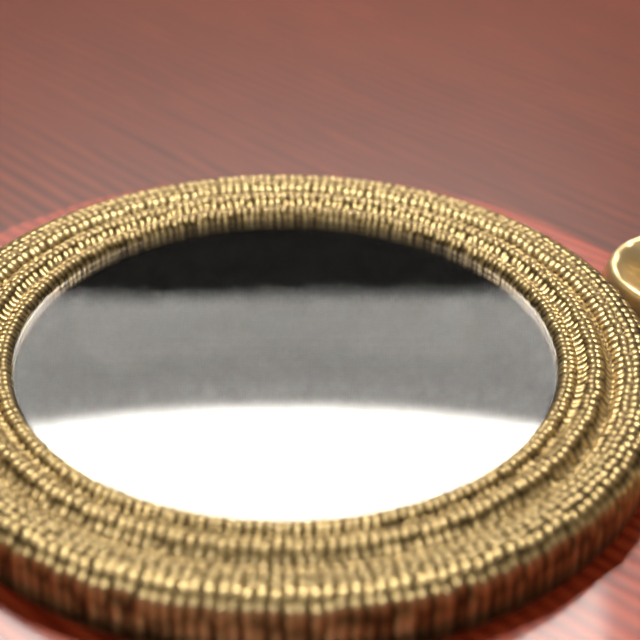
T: 9:15:40
